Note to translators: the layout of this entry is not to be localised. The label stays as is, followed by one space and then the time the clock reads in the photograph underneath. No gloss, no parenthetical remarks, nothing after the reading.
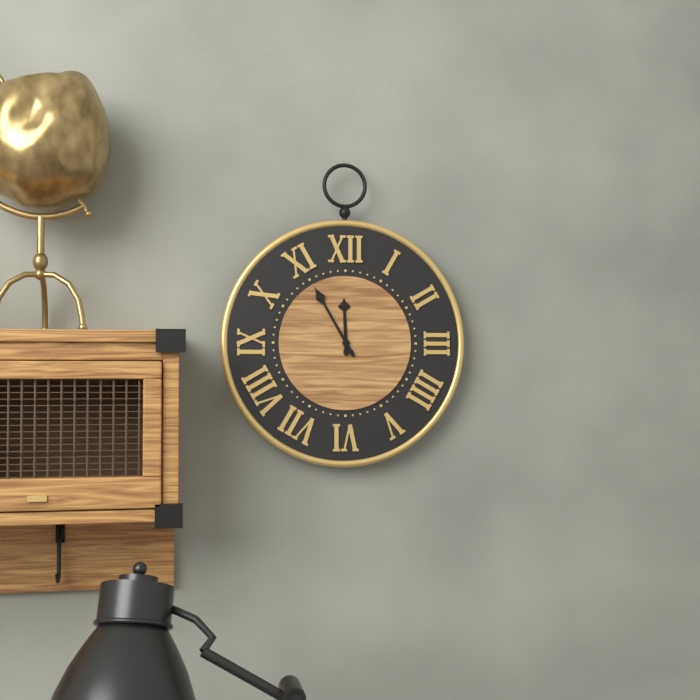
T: 11:55
